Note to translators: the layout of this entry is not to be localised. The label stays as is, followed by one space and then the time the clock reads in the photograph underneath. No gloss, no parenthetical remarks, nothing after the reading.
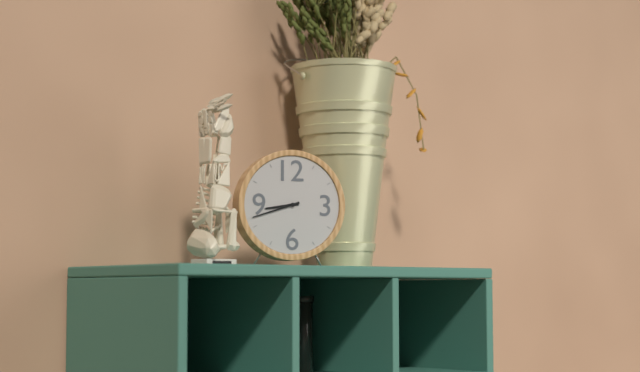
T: 8:42
